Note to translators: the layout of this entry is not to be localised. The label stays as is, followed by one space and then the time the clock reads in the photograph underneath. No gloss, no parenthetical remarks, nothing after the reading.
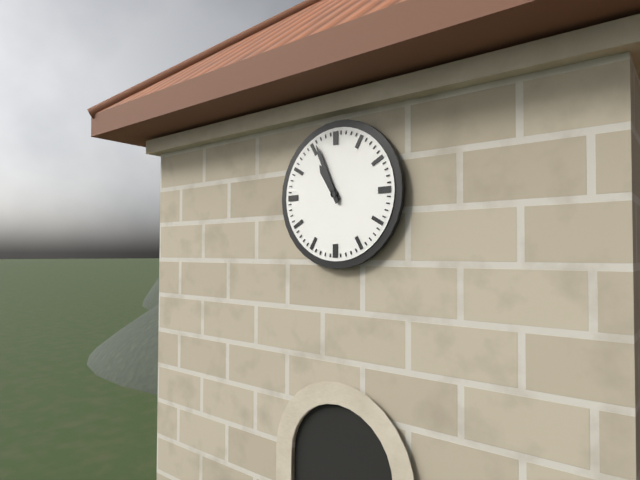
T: 10:56
